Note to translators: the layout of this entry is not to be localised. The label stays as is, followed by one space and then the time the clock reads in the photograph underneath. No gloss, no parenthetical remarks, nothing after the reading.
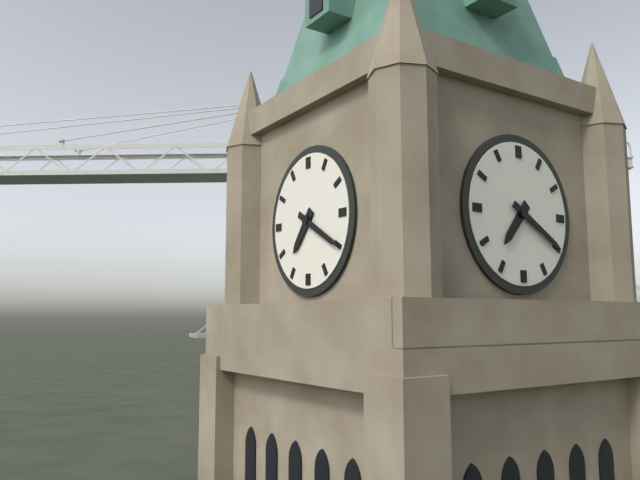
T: 7:20
